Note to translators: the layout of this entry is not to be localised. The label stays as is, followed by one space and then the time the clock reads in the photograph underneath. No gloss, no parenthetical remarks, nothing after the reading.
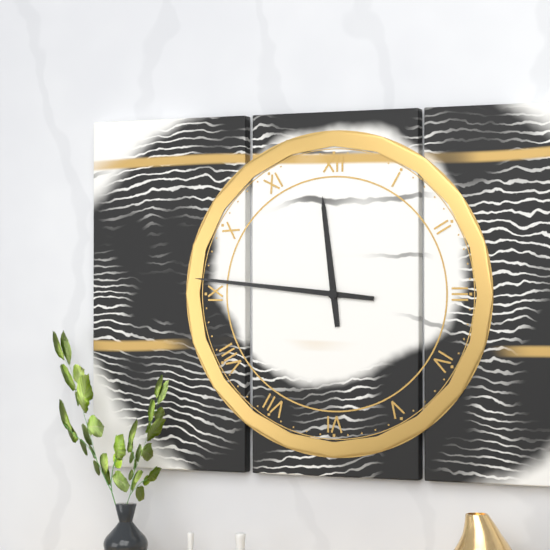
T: 11:46
